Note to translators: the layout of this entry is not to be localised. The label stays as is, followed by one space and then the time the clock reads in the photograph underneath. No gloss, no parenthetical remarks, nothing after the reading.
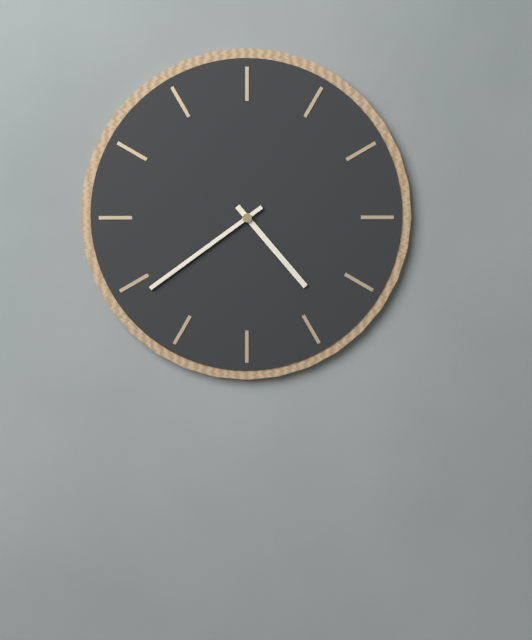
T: 4:39
